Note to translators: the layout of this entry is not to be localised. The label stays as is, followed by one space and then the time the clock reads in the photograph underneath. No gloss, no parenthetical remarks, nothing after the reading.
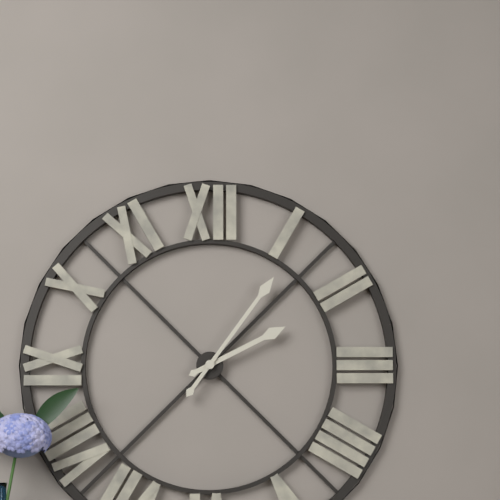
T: 2:06
